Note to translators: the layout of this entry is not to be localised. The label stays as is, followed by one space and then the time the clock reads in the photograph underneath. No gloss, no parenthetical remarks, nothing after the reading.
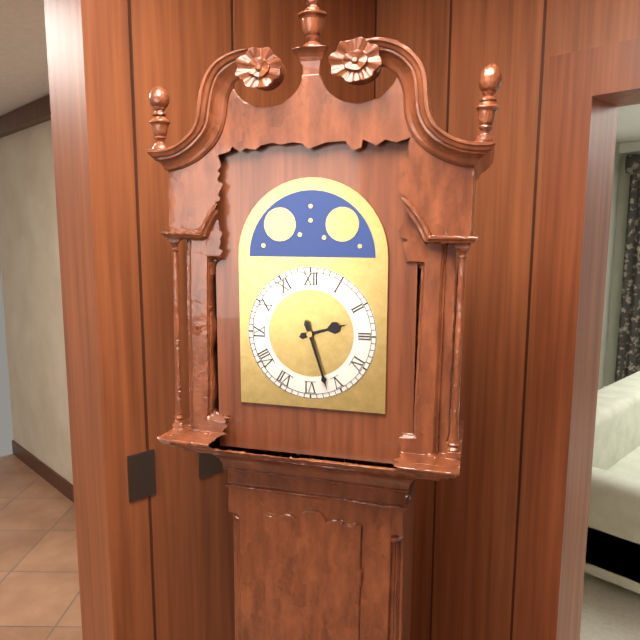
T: 2:27
